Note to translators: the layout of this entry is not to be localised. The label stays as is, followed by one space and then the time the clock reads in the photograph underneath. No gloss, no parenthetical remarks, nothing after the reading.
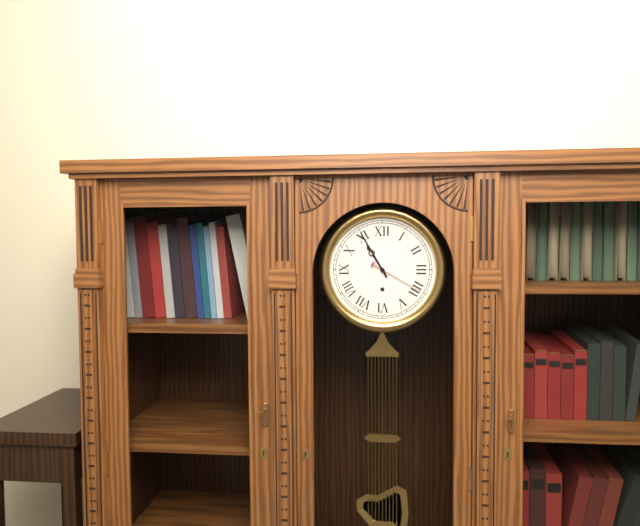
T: 10:55:20
